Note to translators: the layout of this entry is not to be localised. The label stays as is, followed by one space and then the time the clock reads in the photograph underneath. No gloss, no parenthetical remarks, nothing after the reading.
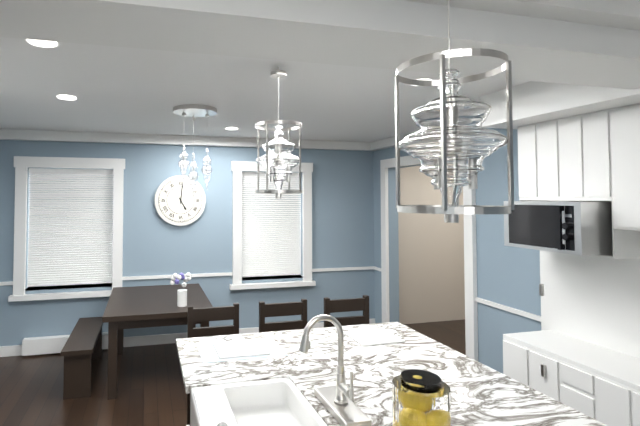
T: 5:01
